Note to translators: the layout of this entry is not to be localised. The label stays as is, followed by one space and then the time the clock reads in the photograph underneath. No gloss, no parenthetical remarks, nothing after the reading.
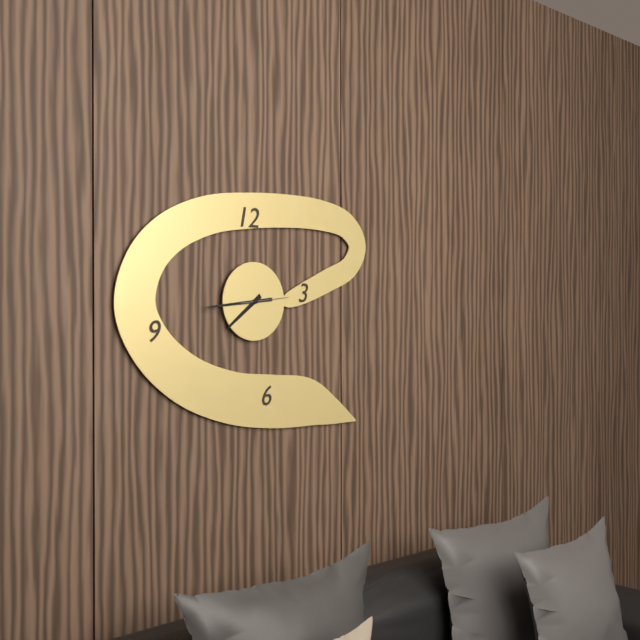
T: 7:44
